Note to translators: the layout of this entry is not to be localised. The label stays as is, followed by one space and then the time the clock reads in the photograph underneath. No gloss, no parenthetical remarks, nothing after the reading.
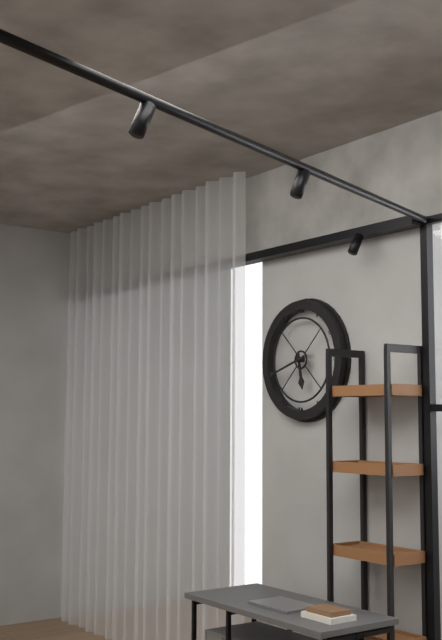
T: 5:42
